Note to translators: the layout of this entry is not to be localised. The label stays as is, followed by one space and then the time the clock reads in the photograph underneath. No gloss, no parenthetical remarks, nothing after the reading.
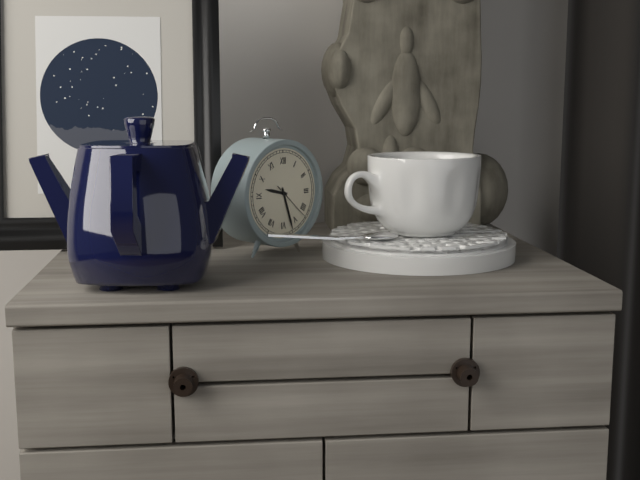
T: 9:27
